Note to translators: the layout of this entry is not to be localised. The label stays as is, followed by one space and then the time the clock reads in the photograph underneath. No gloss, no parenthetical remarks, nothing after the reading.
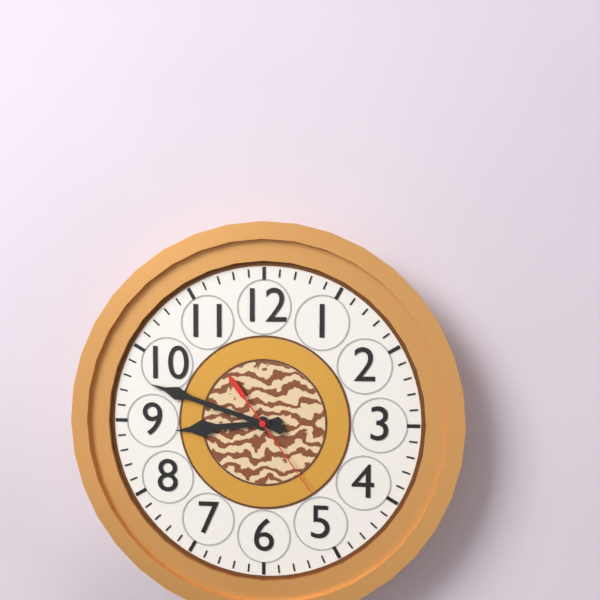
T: 8:48:24
